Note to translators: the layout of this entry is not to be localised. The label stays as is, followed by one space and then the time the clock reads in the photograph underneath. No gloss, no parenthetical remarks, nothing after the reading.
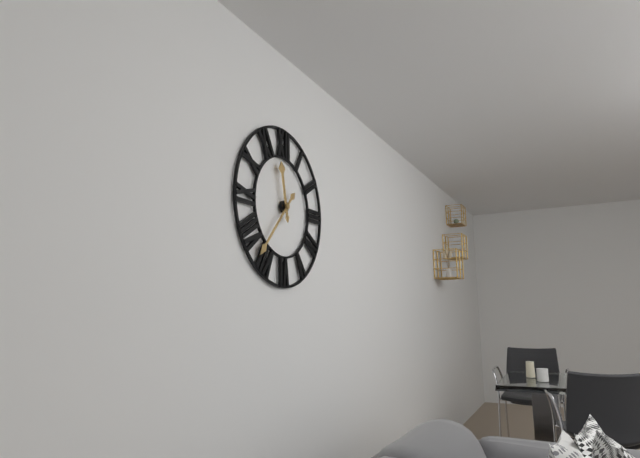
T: 11:37
